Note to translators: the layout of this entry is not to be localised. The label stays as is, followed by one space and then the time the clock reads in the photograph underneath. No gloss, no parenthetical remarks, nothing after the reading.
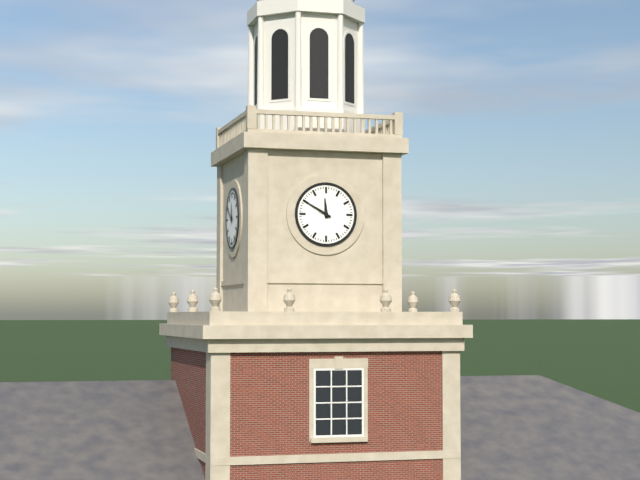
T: 11:50
